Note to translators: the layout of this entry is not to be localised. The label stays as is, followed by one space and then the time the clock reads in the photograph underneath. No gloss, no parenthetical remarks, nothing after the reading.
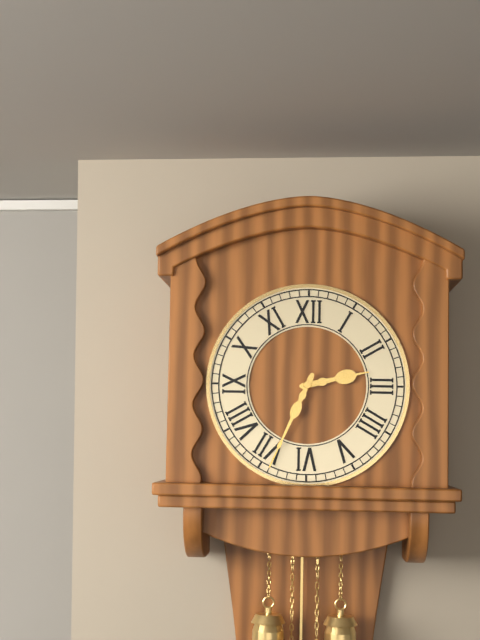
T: 2:34
